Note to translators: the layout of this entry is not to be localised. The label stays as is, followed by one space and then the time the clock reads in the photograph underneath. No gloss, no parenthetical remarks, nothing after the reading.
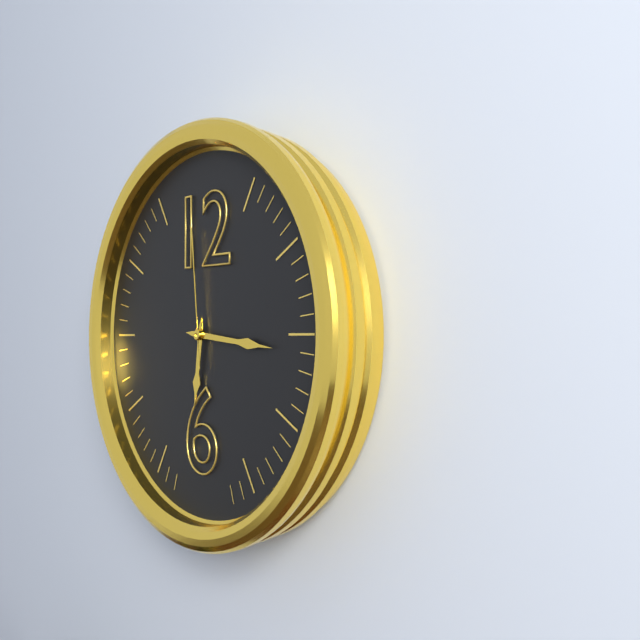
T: 6:16:59
